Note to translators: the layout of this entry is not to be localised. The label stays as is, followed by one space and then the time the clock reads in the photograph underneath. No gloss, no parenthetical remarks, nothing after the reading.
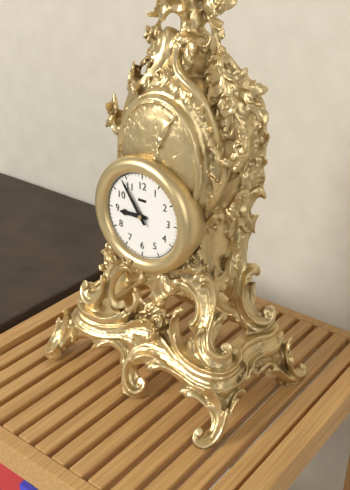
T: 8:54
